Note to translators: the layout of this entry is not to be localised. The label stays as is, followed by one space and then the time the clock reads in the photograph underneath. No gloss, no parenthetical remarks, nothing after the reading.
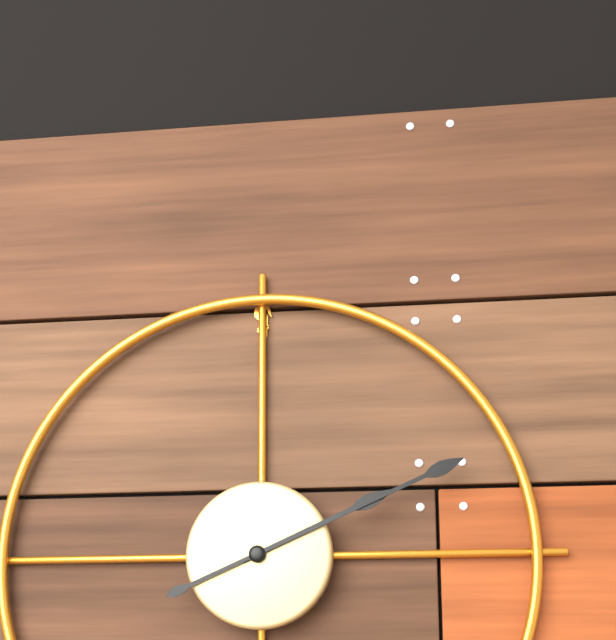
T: 2:11
